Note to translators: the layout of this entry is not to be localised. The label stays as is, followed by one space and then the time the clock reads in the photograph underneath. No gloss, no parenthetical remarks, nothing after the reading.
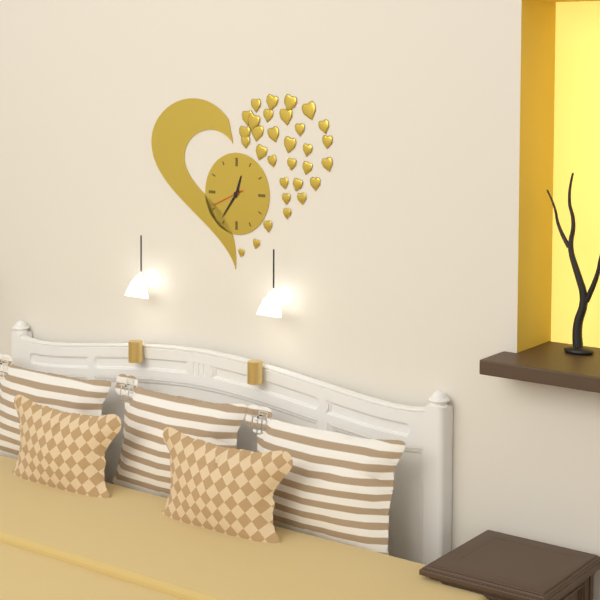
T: 12:36
